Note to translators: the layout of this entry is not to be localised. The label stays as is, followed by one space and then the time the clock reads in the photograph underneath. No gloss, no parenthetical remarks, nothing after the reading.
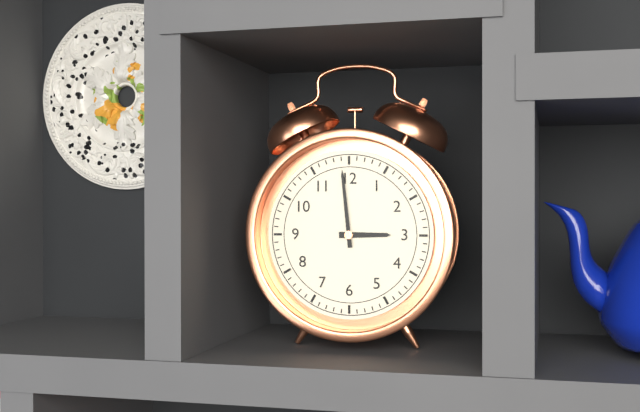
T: 2:59
